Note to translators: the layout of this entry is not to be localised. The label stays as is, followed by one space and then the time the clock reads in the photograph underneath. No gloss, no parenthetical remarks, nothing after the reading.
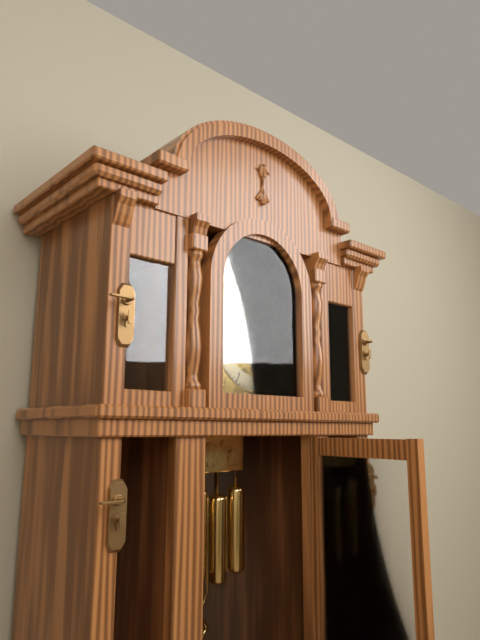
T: 1:10
